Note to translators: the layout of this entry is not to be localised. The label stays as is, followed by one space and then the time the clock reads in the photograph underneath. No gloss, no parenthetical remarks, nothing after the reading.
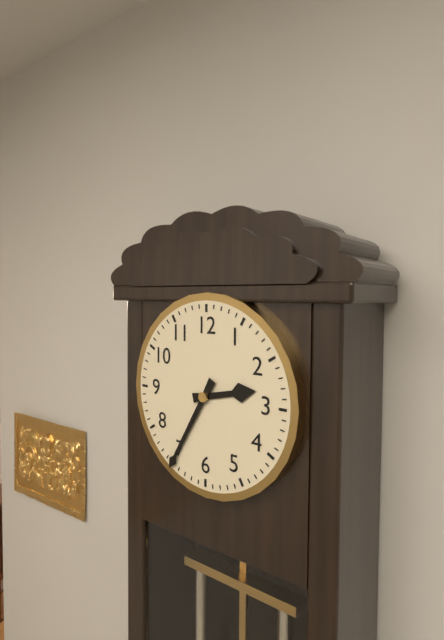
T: 2:35
